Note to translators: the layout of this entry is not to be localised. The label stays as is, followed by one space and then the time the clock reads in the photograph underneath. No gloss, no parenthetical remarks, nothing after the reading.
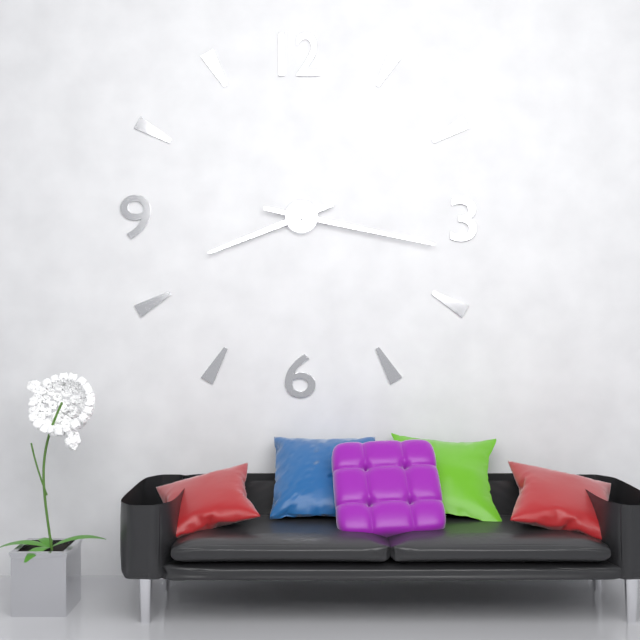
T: 8:17
